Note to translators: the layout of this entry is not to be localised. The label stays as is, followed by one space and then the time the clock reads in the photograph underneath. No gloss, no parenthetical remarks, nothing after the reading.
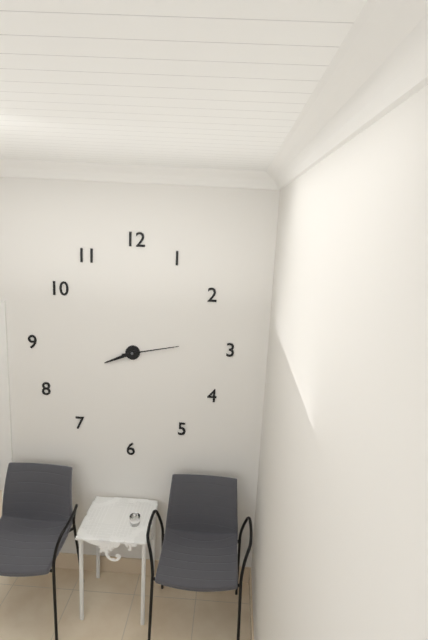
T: 8:13
